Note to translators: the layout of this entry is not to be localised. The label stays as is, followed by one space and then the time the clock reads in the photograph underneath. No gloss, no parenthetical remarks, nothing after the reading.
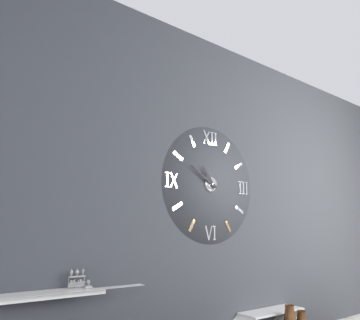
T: 10:50
